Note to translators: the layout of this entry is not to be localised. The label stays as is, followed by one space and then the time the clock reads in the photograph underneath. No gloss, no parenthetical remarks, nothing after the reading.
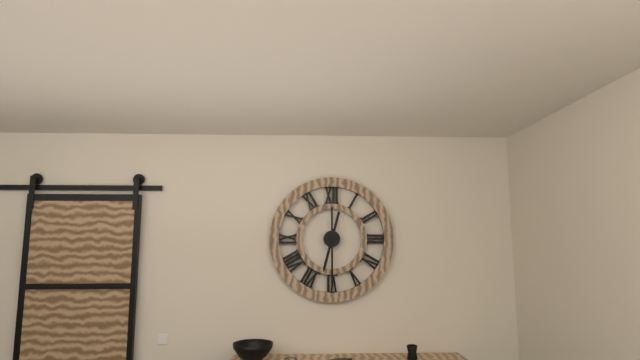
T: 6:30
